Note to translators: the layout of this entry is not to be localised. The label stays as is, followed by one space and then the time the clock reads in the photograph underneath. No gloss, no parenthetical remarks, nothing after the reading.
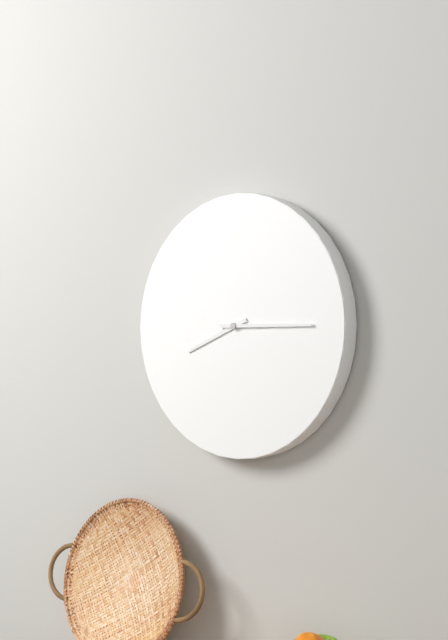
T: 8:15
